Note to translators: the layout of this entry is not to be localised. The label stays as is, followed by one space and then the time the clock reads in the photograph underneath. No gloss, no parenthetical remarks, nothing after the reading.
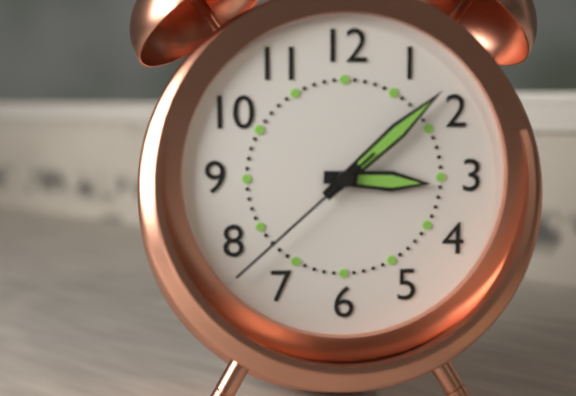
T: 3:08:38
